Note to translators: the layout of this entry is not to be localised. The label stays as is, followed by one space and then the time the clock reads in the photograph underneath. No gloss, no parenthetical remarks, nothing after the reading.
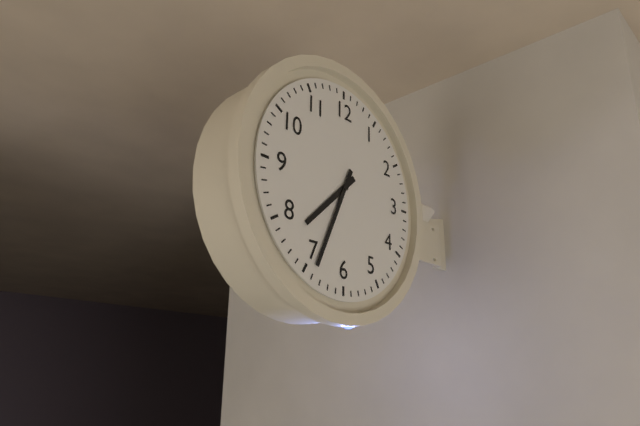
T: 7:34
